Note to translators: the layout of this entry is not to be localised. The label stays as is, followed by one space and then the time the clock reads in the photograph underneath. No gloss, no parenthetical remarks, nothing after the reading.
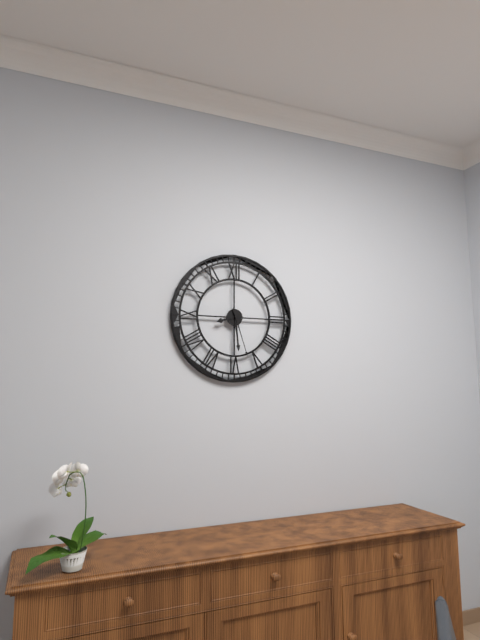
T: 8:29:27
